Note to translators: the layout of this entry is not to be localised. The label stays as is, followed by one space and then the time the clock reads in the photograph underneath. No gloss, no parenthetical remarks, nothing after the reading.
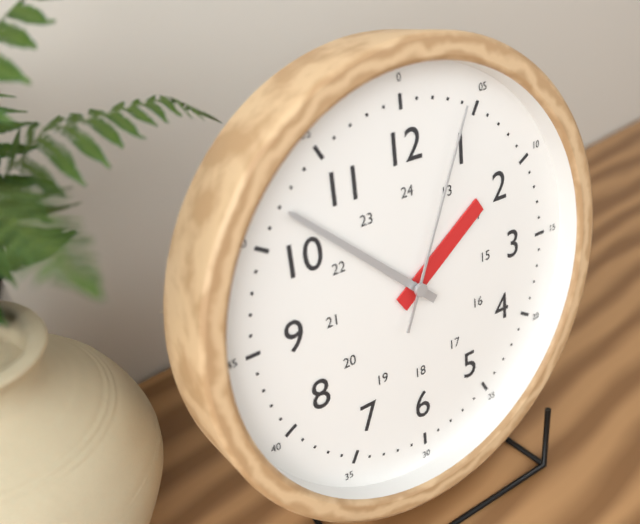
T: 1:52:04
